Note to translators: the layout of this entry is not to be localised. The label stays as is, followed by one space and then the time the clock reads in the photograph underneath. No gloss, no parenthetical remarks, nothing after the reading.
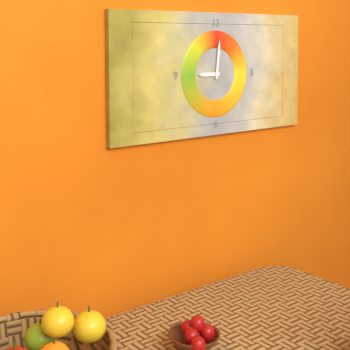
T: 9:01
